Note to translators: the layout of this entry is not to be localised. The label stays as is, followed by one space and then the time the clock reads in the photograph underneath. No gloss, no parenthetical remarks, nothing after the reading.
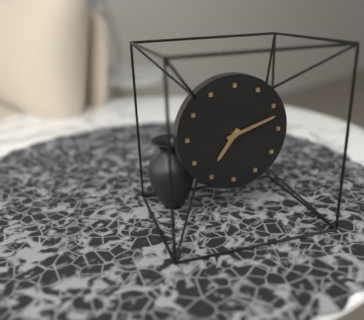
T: 7:12
